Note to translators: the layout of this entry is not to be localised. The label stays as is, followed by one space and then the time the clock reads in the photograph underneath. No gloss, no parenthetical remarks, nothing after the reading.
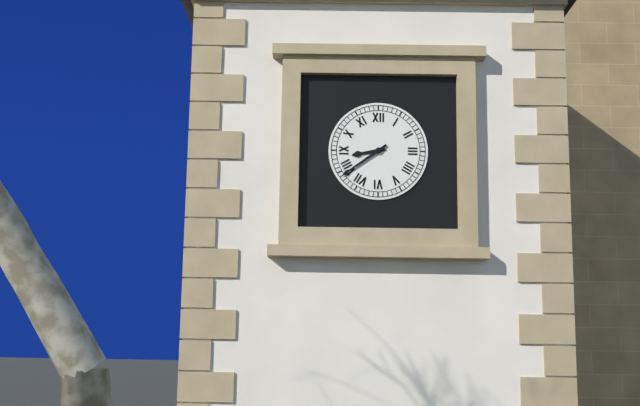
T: 8:39
